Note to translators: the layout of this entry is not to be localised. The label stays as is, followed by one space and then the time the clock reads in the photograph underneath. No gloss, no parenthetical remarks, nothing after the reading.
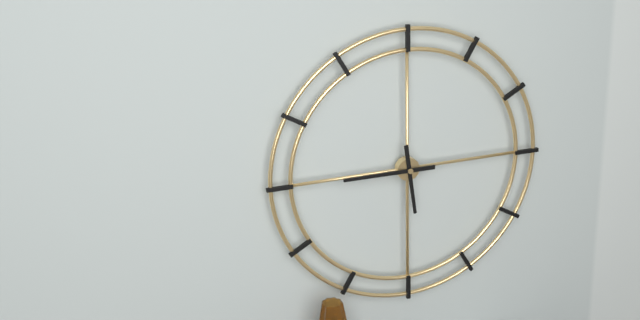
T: 5:45
